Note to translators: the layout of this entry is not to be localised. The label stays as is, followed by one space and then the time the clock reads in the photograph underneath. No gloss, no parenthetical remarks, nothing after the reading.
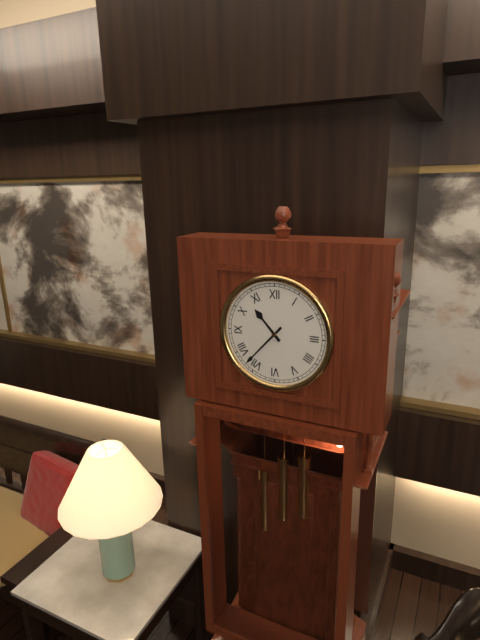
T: 10:37
